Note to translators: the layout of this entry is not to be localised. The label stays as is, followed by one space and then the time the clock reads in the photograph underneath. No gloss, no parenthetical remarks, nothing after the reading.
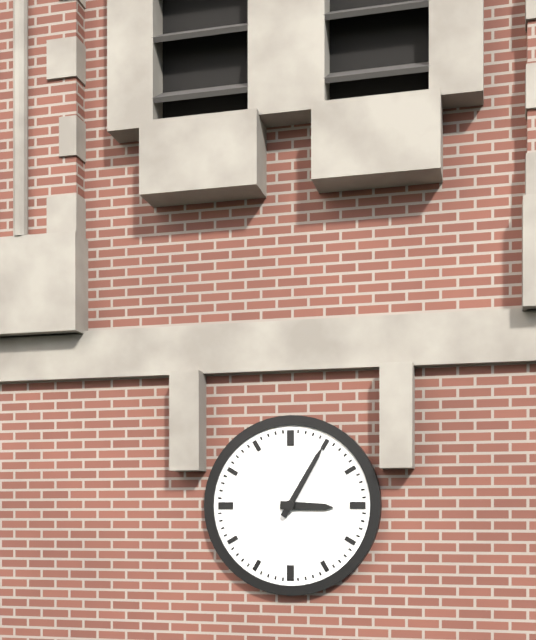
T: 3:05
